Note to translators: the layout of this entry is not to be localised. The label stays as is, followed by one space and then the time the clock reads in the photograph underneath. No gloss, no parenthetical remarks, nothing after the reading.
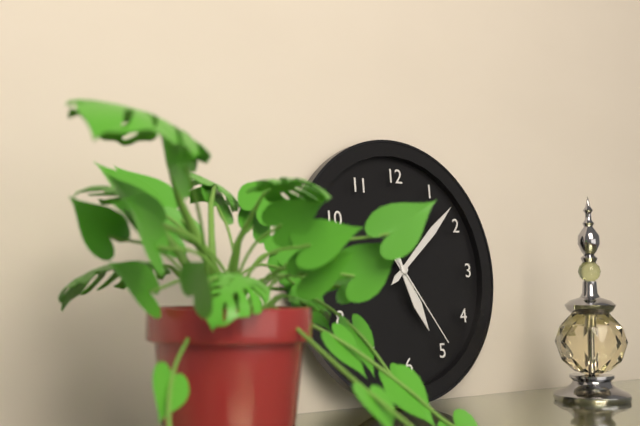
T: 5:08:24
